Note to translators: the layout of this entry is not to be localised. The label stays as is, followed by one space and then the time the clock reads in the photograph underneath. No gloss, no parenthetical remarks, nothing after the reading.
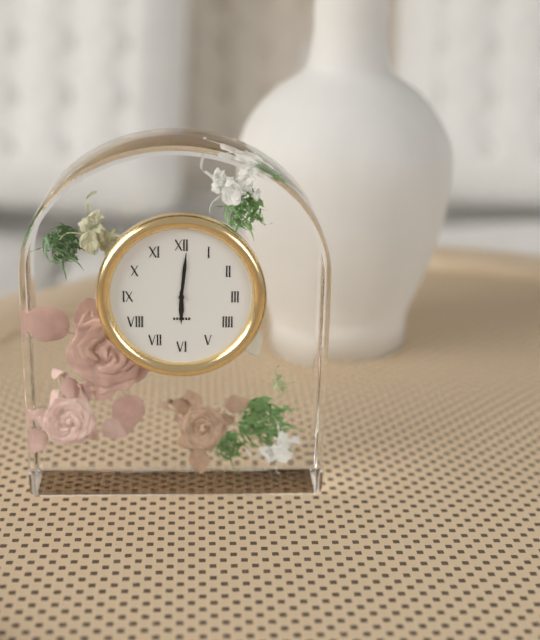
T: 6:01
